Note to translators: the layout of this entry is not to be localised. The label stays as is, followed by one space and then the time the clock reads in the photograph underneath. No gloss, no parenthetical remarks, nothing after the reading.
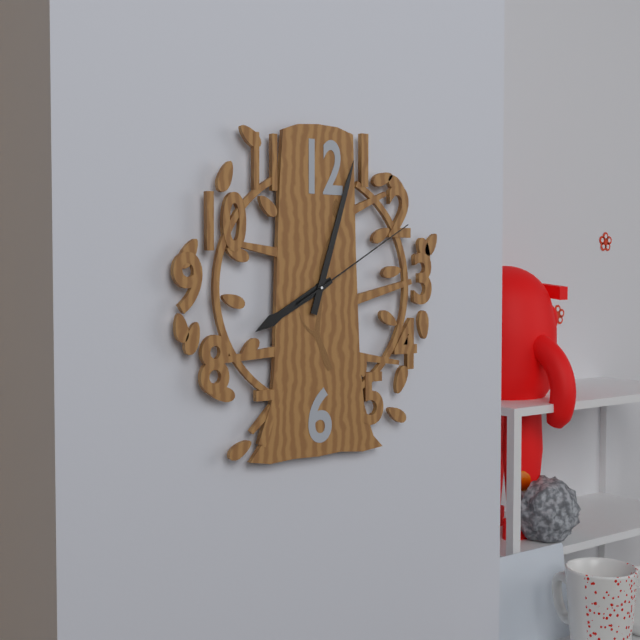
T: 8:03:10
